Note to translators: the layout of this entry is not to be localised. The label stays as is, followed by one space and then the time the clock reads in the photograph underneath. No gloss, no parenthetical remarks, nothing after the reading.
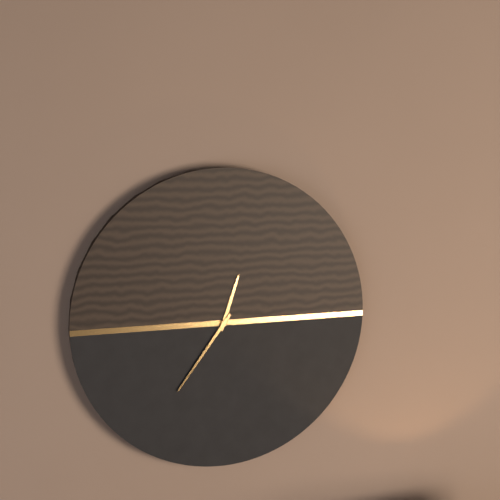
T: 12:36
